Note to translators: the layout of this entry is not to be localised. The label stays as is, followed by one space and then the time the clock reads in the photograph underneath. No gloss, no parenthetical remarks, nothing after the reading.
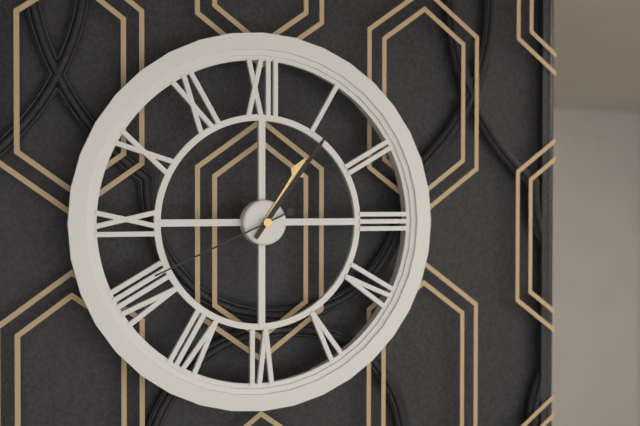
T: 1:06:41
